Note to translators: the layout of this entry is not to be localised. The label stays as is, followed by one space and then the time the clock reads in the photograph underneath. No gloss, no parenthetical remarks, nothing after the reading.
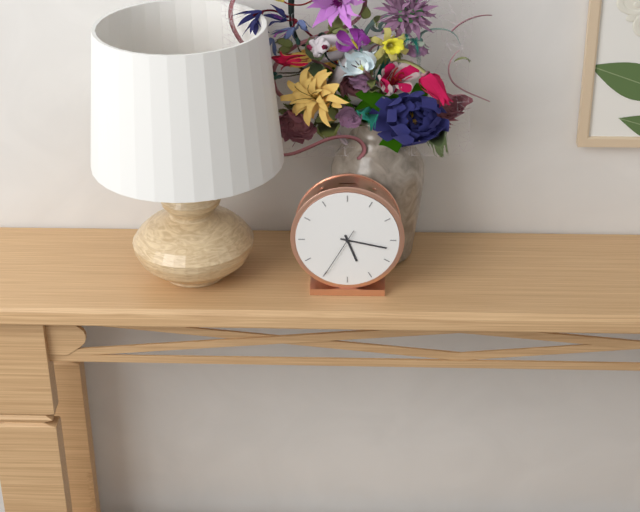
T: 5:17:35
